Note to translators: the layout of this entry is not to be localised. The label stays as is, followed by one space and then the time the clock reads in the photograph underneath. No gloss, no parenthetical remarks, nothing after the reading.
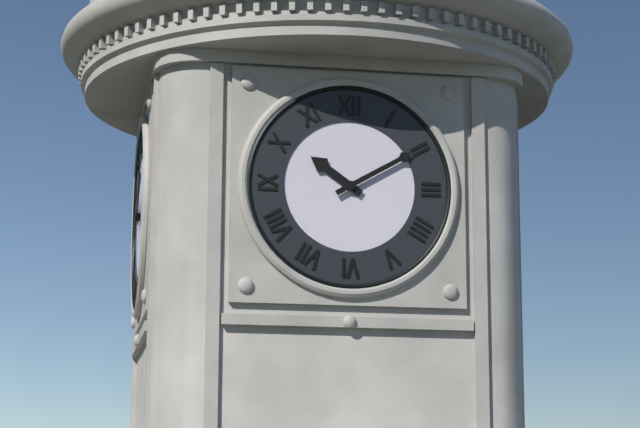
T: 10:10
